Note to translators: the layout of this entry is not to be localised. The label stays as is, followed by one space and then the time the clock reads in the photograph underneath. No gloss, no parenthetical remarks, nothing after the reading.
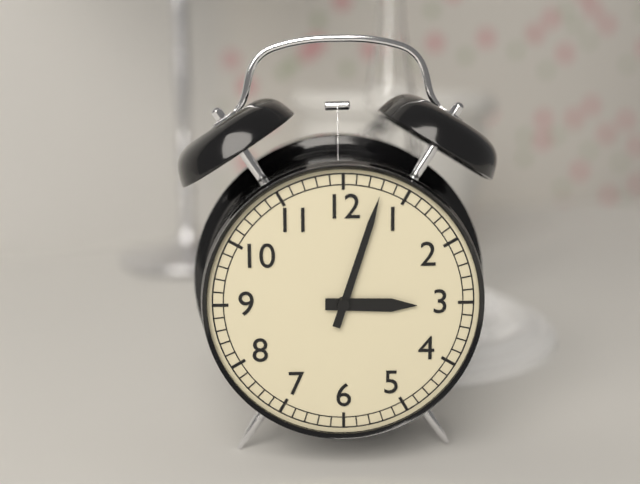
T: 3:03
